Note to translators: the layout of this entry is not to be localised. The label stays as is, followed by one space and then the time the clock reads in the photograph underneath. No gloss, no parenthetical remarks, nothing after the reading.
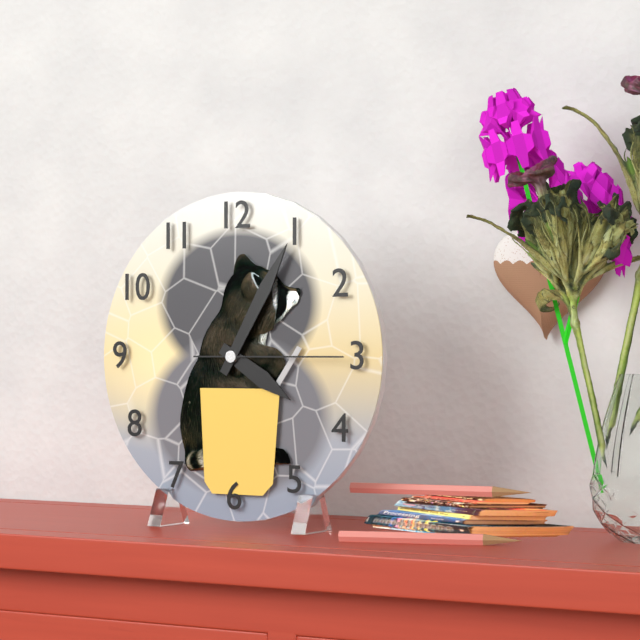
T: 4:05:15
